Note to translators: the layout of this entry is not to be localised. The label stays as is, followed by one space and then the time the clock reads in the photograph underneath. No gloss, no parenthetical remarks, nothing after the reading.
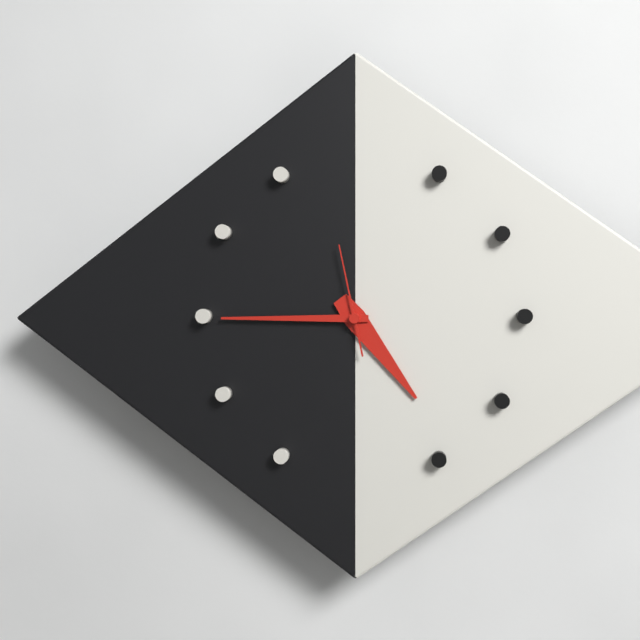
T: 4:45:58
